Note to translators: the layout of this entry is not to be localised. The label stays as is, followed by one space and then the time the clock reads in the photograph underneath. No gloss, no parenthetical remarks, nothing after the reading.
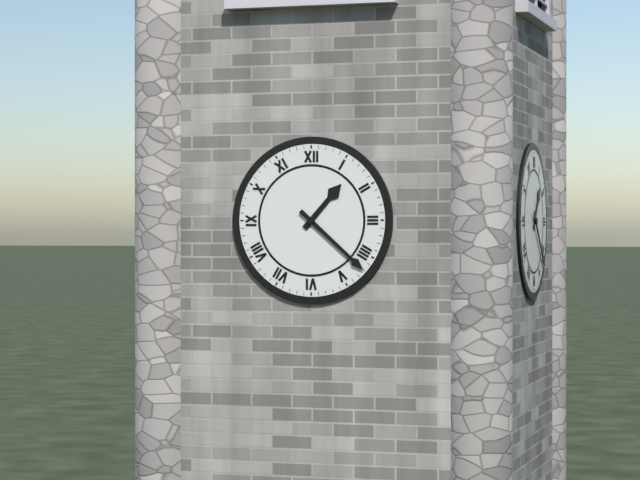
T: 1:22
